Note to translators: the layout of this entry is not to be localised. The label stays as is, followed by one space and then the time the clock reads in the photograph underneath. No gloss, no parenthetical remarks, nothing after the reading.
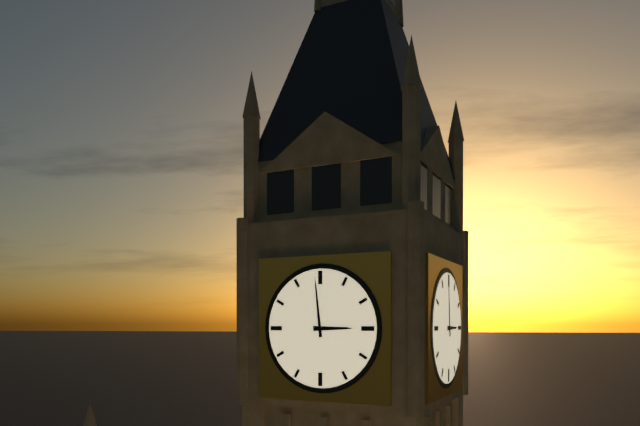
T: 2:59
